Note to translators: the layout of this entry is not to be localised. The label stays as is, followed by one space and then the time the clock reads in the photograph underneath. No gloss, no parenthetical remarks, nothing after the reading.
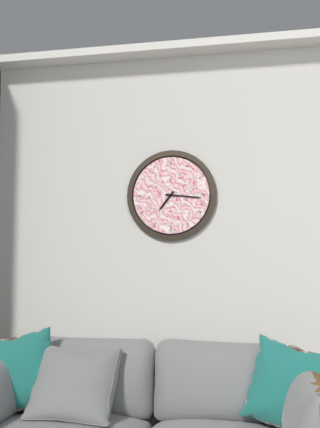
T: 7:16
